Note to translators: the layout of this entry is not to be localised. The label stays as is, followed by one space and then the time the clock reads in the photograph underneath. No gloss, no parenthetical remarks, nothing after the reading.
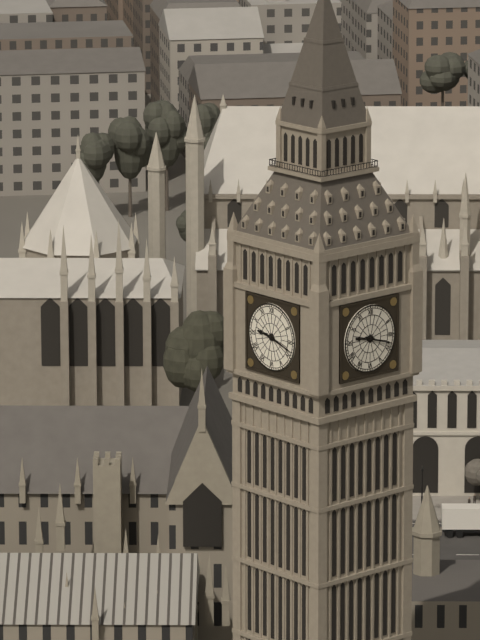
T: 9:18
